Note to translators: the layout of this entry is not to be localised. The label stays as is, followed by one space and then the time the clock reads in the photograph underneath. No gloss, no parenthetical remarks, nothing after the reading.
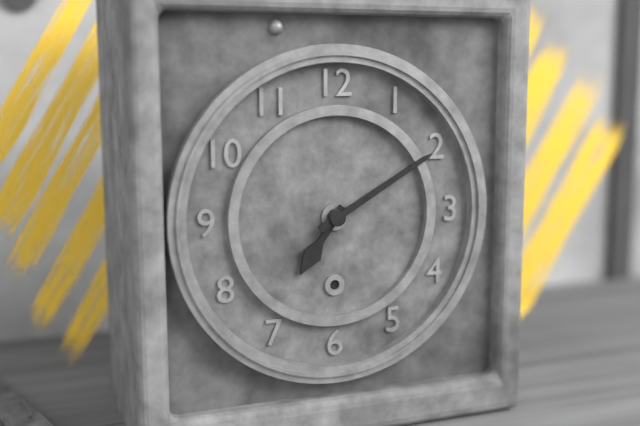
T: 7:10
